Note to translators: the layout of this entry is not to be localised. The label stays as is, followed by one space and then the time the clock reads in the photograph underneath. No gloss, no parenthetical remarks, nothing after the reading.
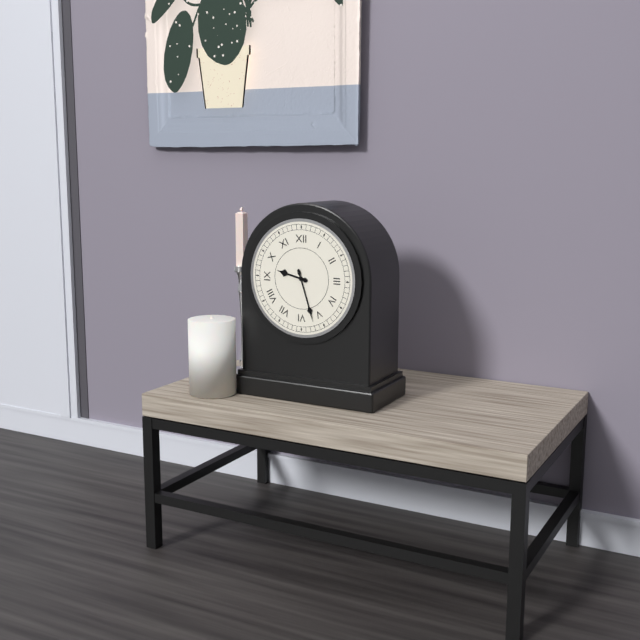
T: 9:27
